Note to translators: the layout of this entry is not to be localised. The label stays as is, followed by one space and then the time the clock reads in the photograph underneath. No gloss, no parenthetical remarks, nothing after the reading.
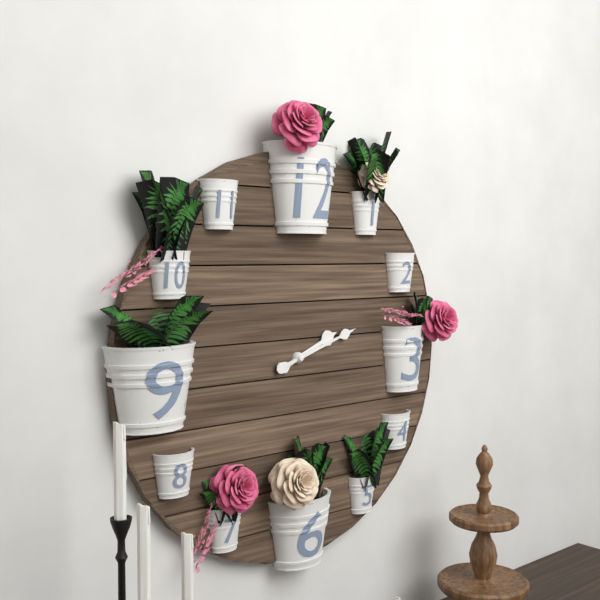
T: 2:12
